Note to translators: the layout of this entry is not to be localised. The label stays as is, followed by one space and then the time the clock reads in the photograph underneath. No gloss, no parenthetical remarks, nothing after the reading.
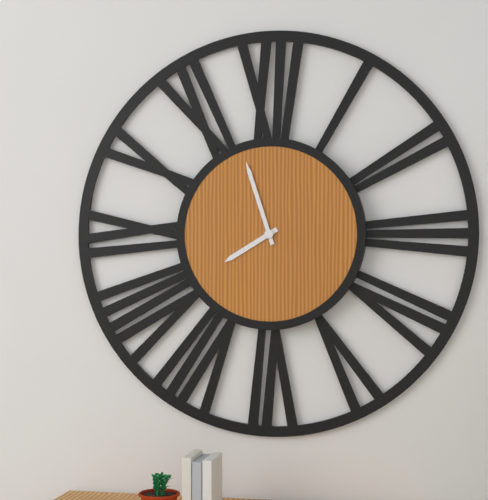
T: 7:57
